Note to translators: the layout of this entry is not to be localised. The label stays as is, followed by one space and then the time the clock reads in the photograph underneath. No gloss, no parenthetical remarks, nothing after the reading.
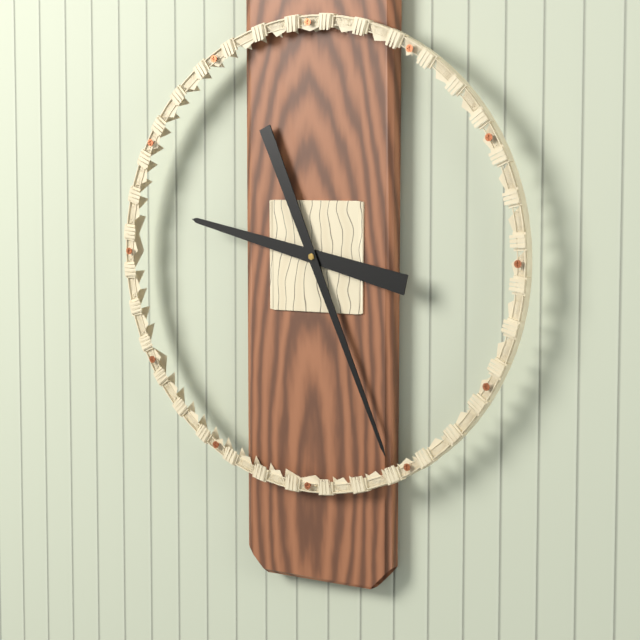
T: 9:26
